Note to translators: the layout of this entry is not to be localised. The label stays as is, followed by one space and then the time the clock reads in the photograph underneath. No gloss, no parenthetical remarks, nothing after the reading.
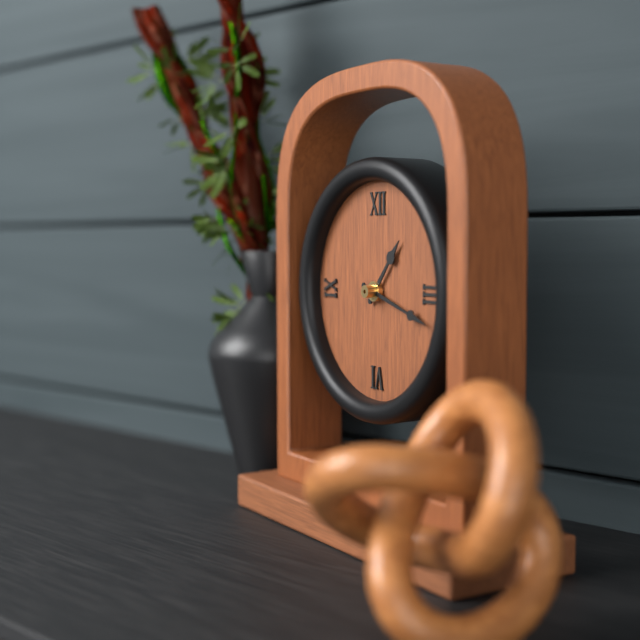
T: 1:18
